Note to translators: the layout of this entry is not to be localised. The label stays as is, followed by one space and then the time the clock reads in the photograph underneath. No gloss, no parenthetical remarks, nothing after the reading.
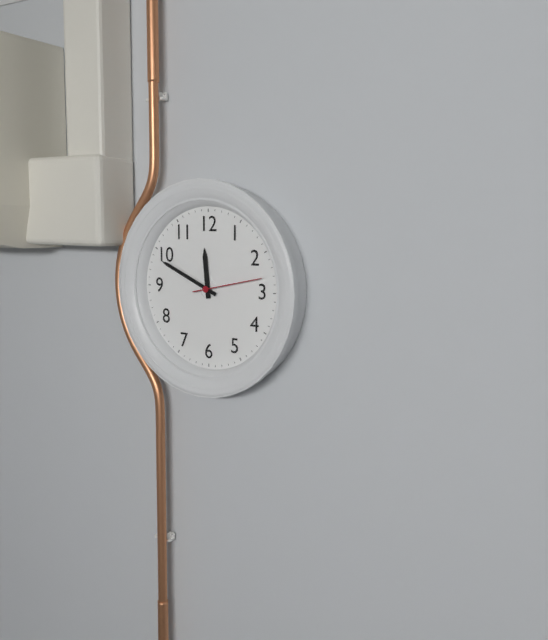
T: 11:49:13
